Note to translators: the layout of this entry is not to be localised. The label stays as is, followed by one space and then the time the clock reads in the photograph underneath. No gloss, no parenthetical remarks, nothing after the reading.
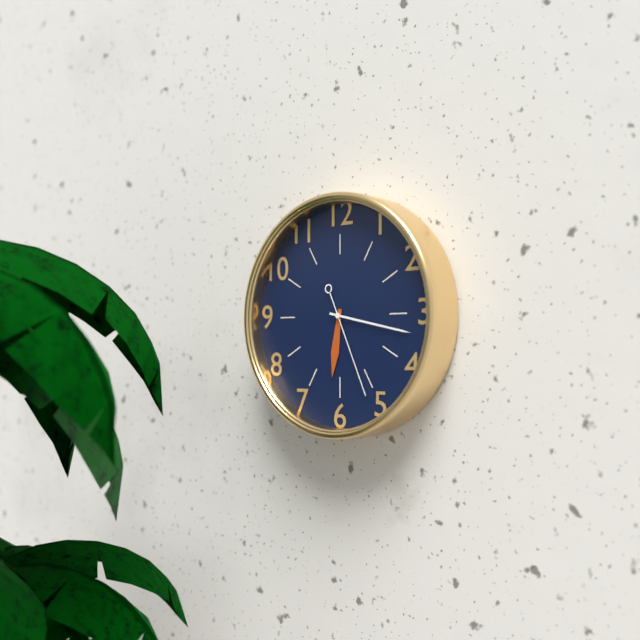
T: 6:17:26
